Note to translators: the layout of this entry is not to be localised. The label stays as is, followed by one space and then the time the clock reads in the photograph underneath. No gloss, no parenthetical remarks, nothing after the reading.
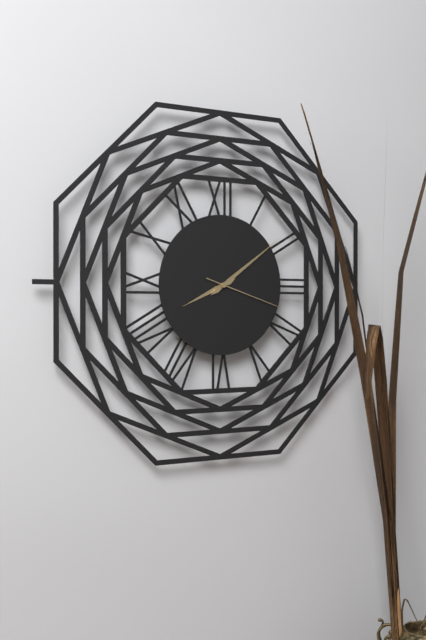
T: 8:09:18
